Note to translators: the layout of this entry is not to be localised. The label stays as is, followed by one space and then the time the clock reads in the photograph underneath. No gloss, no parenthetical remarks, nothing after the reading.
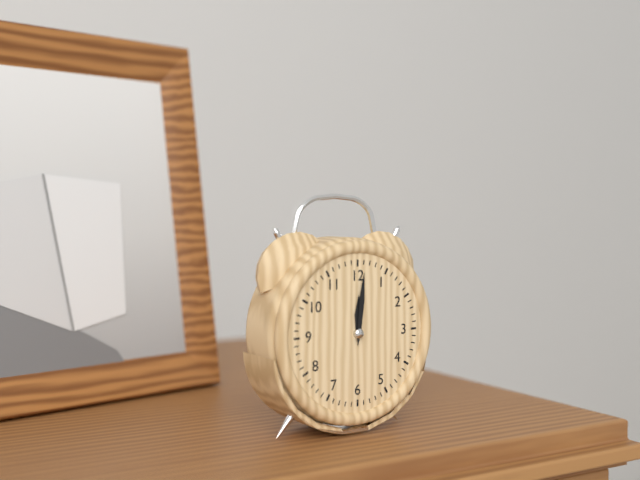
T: 12:01
